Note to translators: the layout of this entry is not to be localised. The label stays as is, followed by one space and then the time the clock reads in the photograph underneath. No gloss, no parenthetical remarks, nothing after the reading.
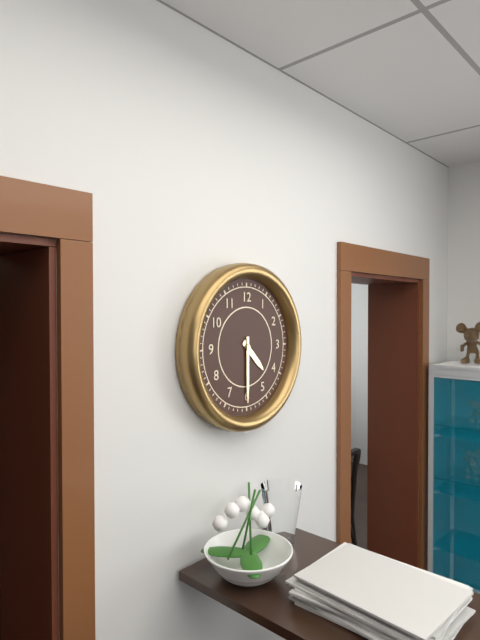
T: 4:30
